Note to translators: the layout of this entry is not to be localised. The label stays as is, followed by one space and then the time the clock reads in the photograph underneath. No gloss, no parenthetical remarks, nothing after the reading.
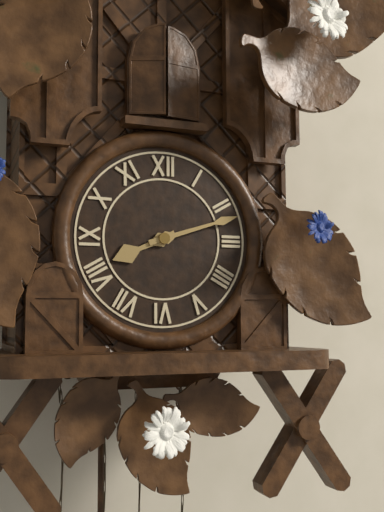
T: 8:12
